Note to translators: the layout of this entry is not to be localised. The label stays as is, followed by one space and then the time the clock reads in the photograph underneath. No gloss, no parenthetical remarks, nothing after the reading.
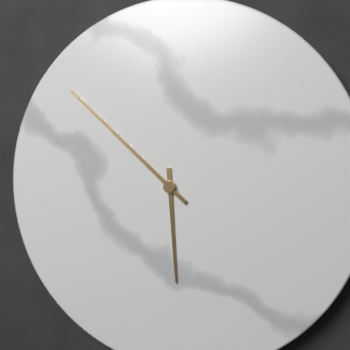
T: 5:52
